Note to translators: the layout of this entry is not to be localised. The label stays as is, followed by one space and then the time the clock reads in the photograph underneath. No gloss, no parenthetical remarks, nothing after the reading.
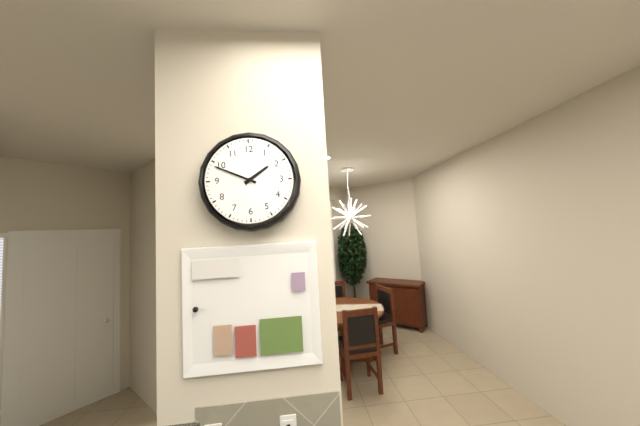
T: 1:49
